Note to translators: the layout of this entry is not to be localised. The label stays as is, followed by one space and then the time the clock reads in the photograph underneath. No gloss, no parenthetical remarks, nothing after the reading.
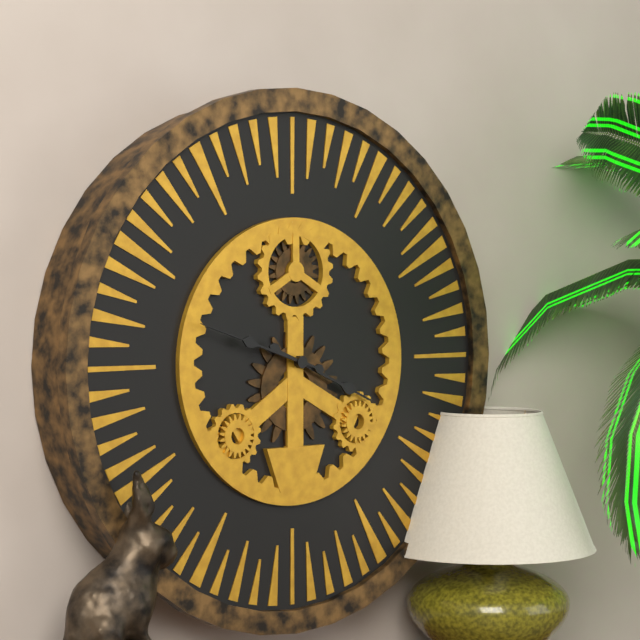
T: 3:48
